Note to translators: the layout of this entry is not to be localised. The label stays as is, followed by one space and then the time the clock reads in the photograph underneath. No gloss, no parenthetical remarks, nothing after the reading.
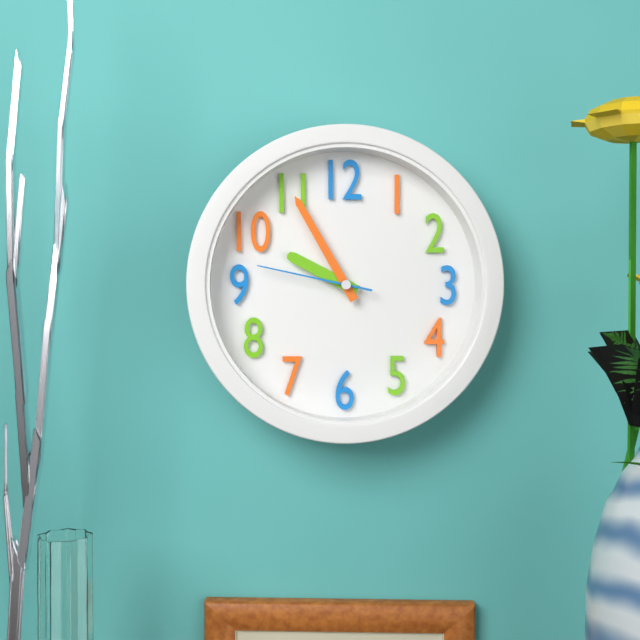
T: 9:55:47
